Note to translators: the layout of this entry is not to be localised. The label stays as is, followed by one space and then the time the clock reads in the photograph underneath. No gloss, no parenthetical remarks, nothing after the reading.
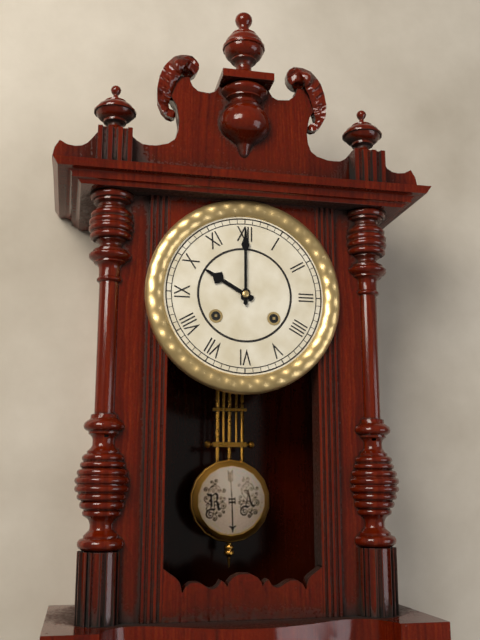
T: 10:00
